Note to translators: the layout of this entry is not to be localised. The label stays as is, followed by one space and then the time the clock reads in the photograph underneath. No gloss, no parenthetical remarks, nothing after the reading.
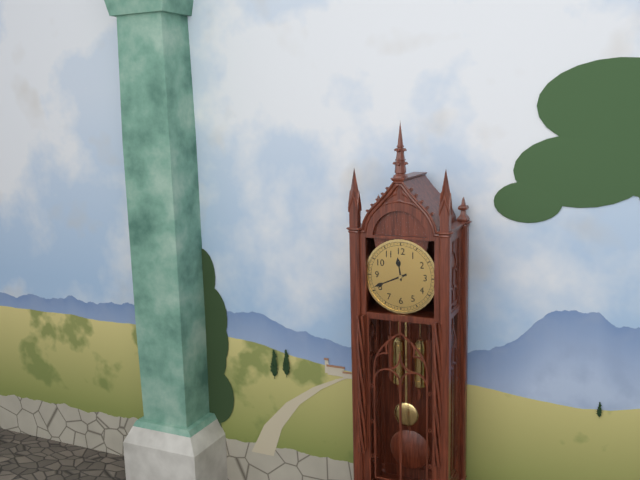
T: 11:41
